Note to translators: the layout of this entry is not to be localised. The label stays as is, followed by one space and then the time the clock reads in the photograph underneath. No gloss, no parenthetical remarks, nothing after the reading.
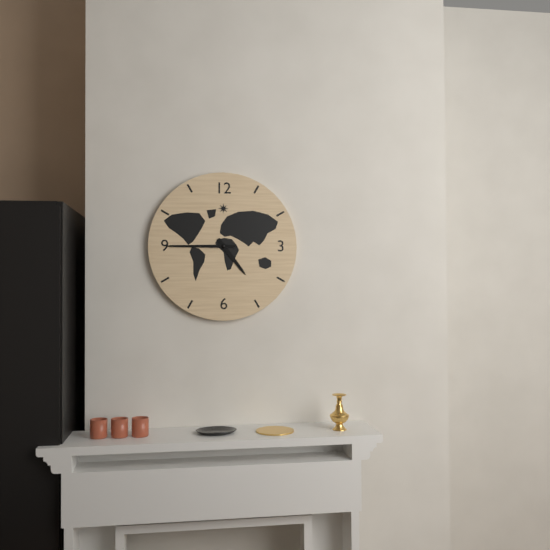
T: 4:45
